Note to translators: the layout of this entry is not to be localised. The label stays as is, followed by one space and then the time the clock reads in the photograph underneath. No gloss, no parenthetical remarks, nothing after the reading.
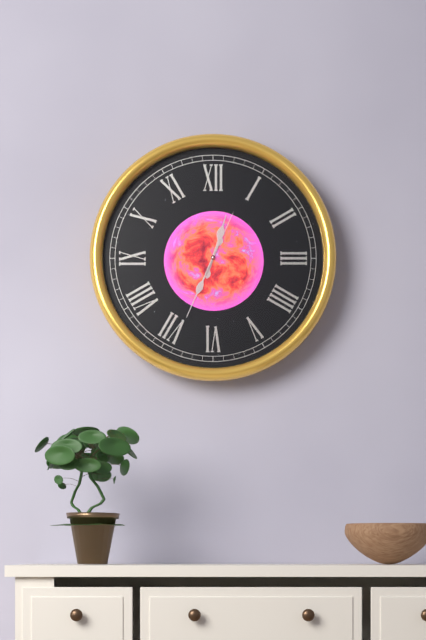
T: 12:34:04
